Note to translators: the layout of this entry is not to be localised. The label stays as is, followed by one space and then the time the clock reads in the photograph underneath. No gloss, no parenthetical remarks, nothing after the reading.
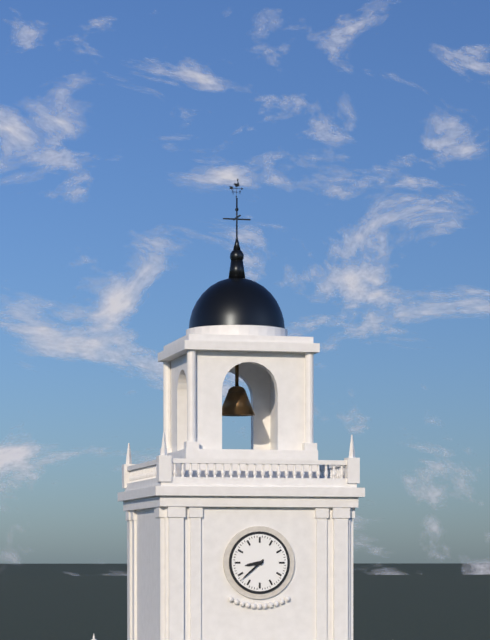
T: 8:38
